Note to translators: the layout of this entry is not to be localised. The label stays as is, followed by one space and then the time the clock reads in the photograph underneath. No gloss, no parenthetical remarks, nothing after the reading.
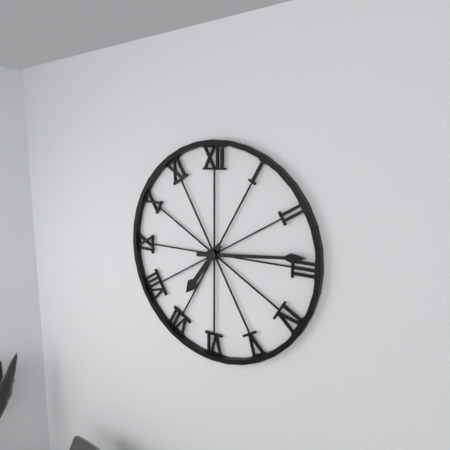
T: 7:14
